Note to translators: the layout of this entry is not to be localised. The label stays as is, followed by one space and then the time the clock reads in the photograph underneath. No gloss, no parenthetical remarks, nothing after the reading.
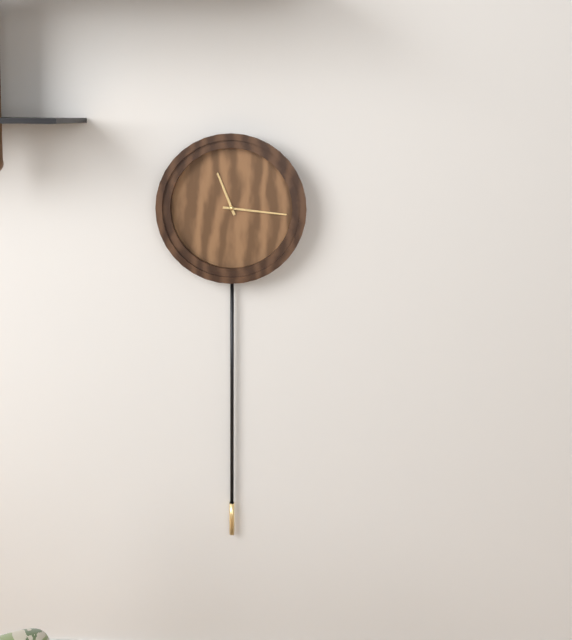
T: 11:16
